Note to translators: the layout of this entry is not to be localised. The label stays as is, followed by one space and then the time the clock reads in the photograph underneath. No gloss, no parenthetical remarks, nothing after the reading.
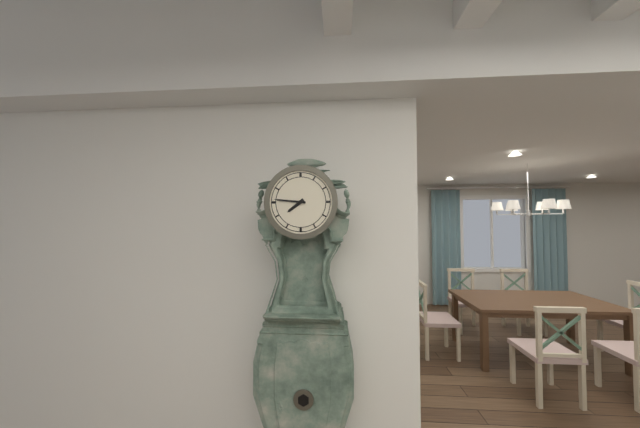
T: 7:46
